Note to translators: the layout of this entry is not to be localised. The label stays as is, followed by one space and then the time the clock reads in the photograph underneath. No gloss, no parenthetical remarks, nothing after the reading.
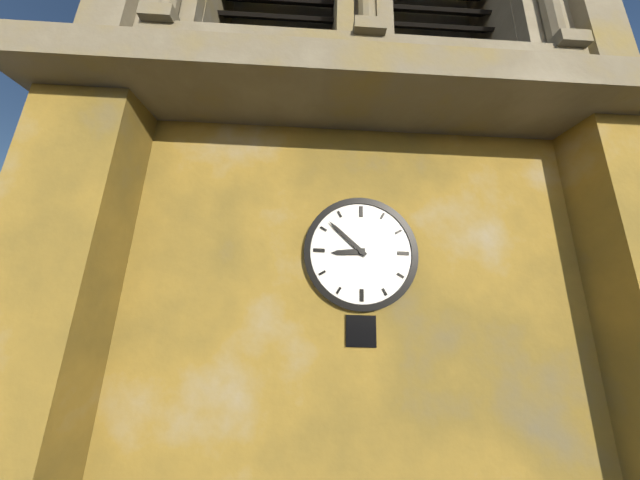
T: 8:52
